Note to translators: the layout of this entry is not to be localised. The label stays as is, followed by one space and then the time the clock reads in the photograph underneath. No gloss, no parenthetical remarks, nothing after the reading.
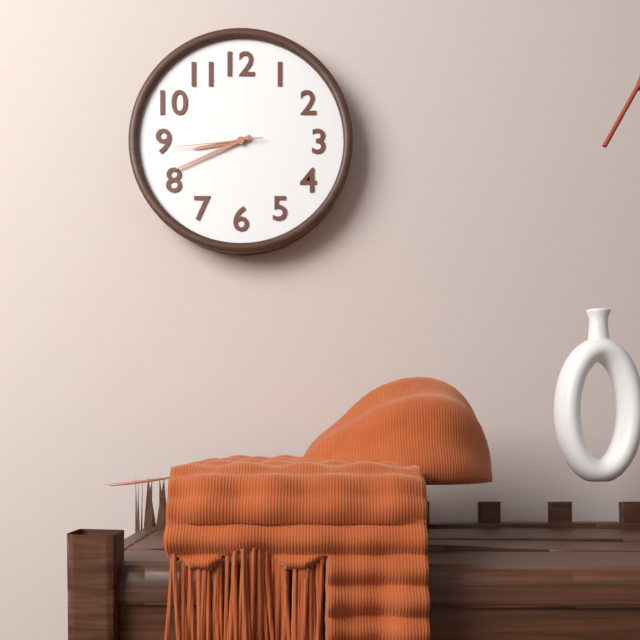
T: 8:41:44
